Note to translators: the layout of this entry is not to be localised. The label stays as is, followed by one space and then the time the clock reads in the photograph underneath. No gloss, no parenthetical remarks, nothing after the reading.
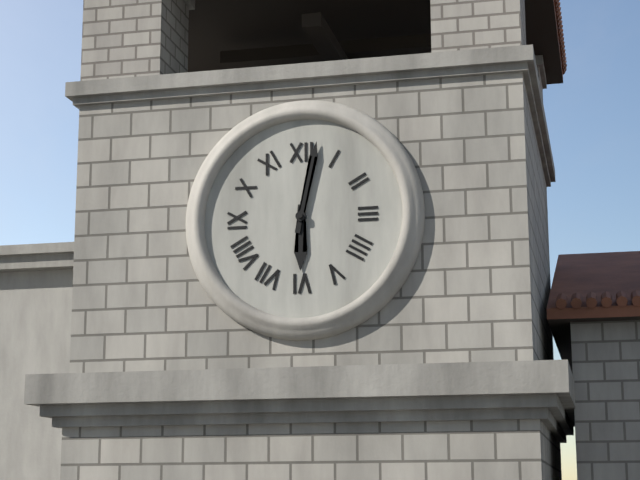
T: 6:02
